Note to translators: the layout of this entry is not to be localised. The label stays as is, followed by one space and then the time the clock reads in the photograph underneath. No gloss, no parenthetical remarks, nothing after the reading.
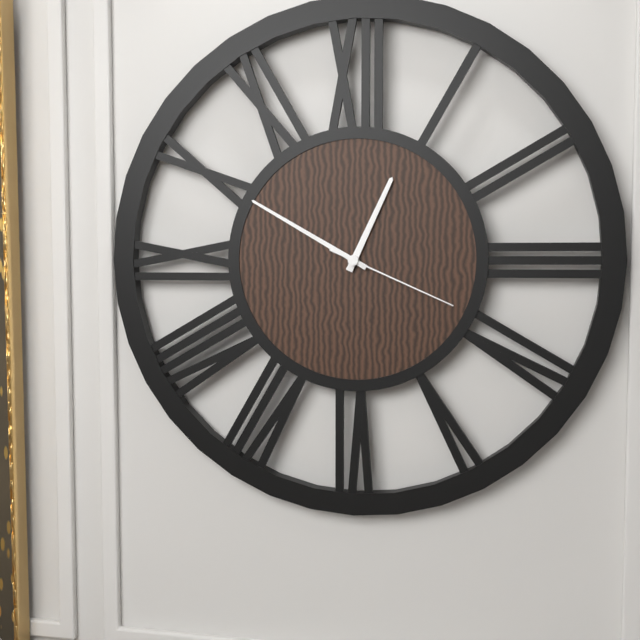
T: 12:50:19
